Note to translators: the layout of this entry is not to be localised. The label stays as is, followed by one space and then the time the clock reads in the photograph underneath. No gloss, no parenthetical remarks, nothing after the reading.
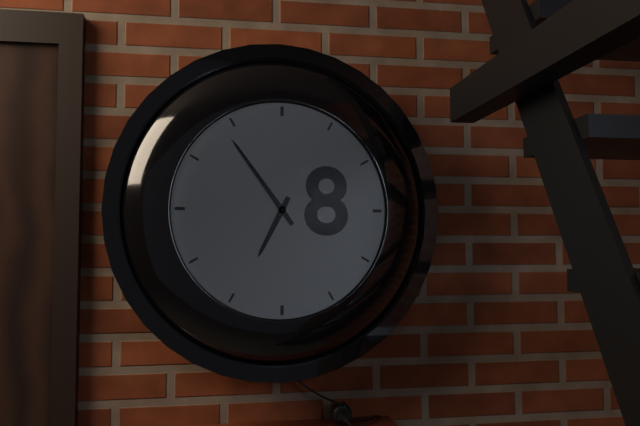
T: 6:54
